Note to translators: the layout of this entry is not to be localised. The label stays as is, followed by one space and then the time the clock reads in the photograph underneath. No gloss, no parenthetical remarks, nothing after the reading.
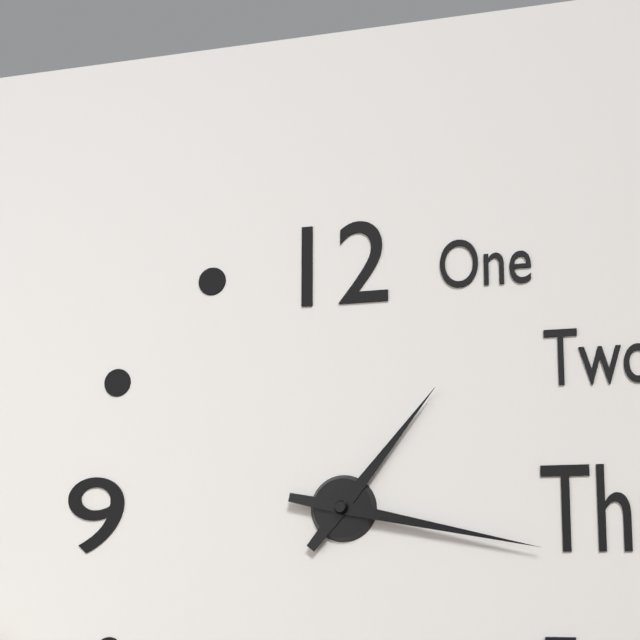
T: 1:17
